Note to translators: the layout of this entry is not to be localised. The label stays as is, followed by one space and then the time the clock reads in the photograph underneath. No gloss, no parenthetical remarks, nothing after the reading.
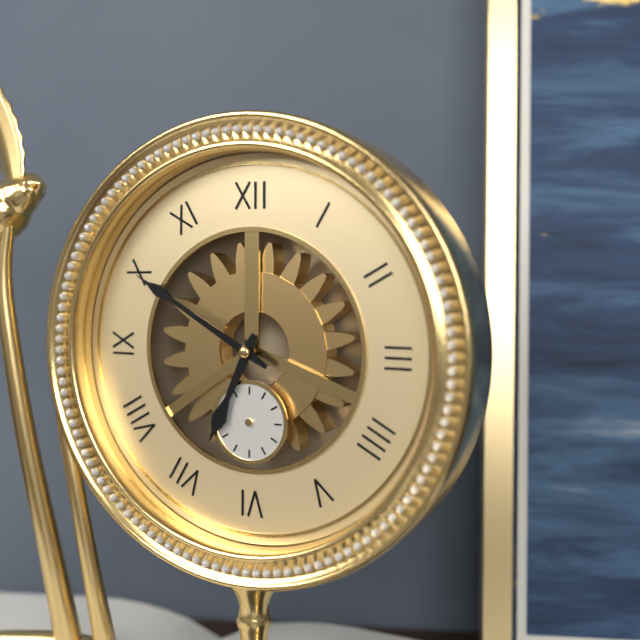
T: 6:50
